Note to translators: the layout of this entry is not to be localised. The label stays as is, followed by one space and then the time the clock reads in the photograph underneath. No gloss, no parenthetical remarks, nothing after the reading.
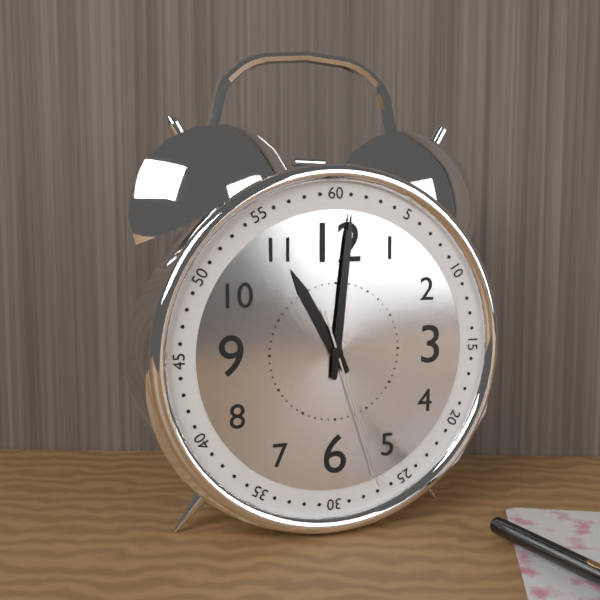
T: 11:01:27
